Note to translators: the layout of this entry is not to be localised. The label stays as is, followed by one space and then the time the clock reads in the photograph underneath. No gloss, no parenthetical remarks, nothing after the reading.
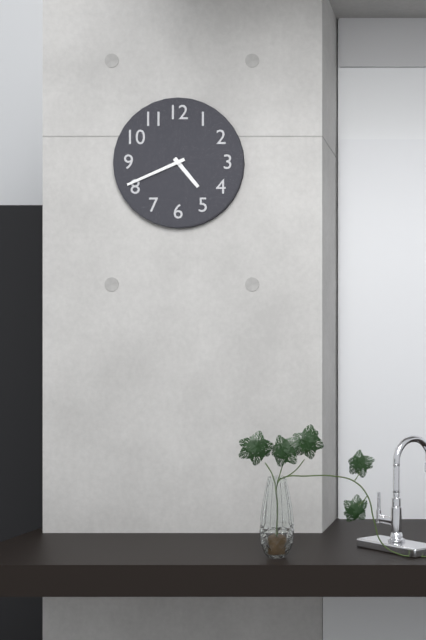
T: 4:41
